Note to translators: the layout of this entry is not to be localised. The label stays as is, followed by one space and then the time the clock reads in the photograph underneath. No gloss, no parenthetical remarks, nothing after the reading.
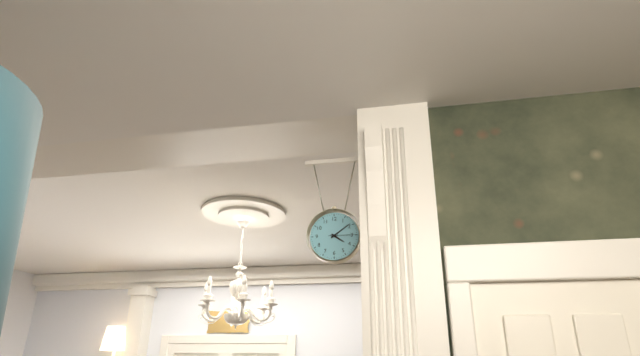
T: 4:09
